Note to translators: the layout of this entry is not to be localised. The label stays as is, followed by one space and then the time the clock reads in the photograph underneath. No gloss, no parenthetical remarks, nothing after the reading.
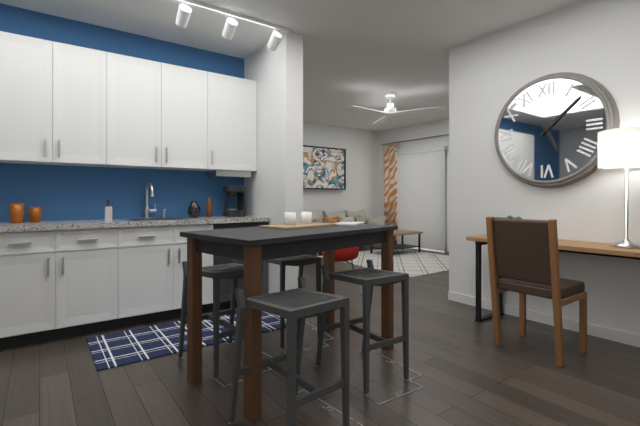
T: 5:08
